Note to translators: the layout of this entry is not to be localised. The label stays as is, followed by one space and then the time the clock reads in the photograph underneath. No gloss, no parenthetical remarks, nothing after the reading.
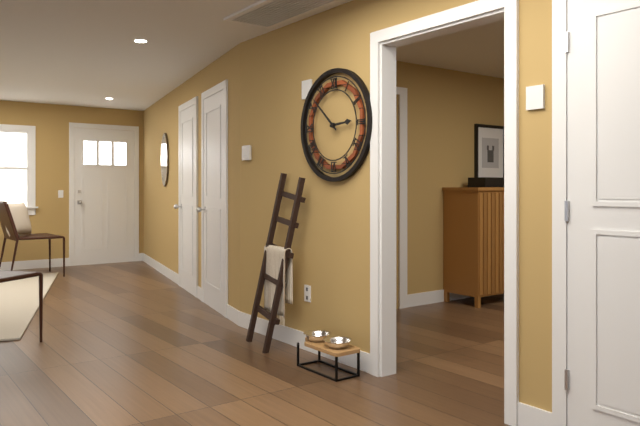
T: 2:52
